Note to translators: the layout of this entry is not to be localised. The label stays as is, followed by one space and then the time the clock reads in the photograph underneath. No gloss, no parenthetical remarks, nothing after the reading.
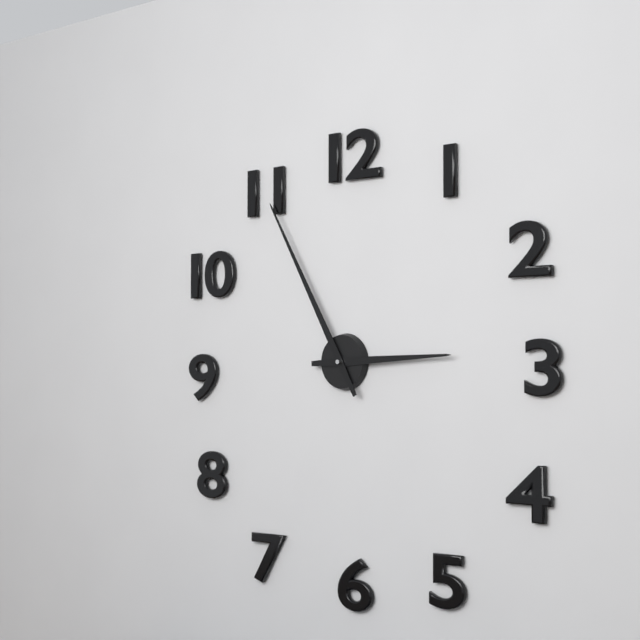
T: 2:55
